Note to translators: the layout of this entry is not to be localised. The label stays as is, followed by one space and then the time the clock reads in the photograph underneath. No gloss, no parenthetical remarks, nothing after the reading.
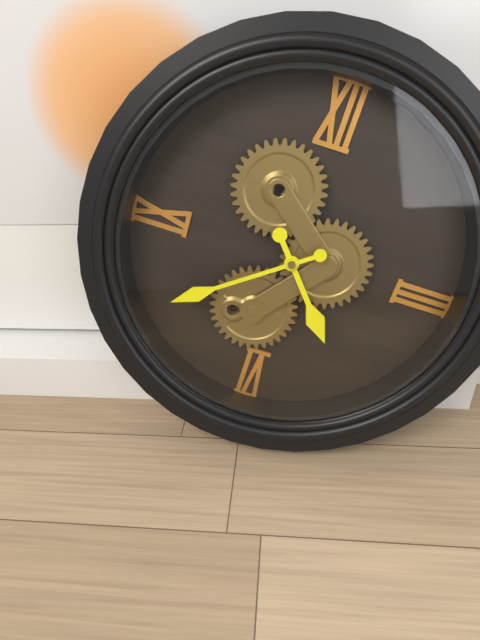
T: 4:39
